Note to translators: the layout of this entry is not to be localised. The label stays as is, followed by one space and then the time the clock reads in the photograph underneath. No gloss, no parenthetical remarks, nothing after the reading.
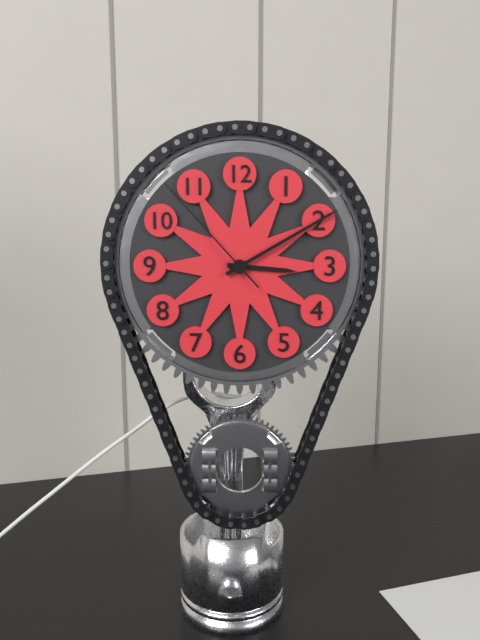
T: 3:10:53
